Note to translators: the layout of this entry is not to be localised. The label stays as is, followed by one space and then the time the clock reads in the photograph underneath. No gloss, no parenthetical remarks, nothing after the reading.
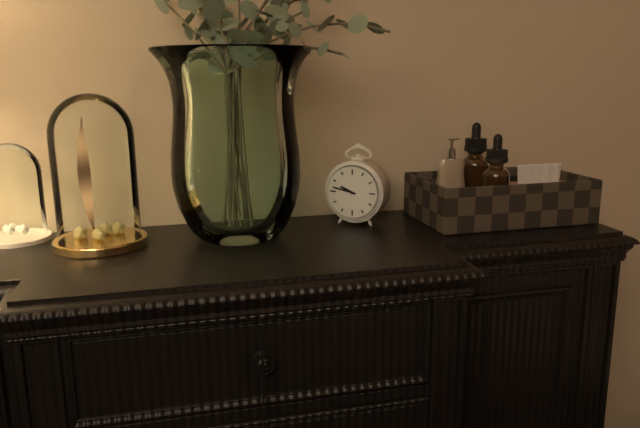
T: 9:47
